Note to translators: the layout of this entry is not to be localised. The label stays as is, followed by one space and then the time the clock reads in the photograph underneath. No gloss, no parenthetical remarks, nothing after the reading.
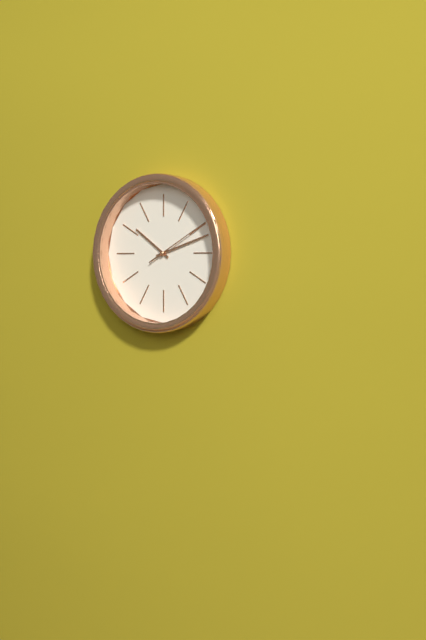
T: 10:12:10
